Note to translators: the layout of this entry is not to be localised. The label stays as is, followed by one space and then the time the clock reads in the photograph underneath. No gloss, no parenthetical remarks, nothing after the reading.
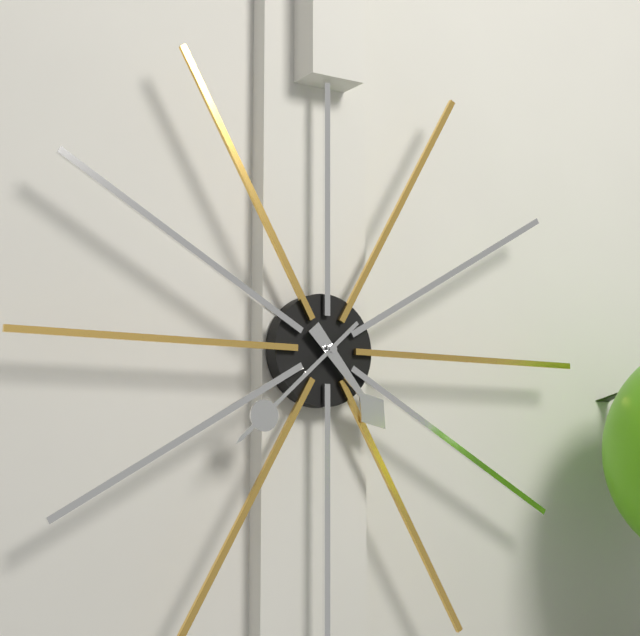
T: 4:38
